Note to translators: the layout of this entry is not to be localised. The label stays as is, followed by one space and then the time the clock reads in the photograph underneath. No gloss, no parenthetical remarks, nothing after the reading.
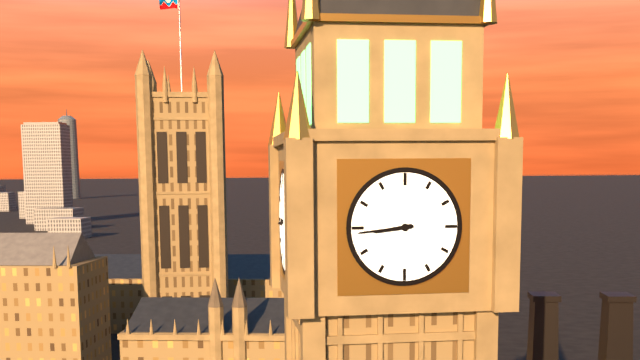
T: 8:44
